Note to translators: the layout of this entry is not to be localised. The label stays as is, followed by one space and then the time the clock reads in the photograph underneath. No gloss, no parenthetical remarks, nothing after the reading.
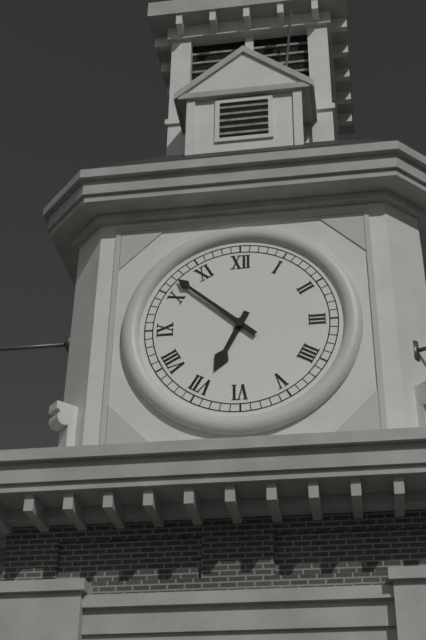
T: 6:52
